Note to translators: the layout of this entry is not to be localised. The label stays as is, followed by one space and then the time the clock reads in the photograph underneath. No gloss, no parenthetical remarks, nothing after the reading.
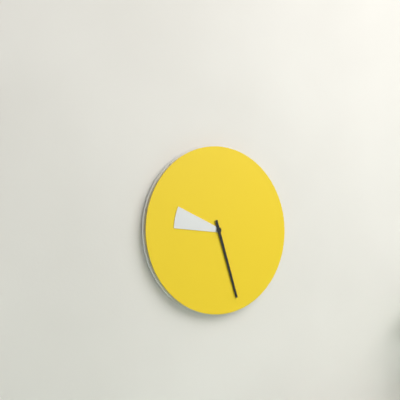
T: 9:27
